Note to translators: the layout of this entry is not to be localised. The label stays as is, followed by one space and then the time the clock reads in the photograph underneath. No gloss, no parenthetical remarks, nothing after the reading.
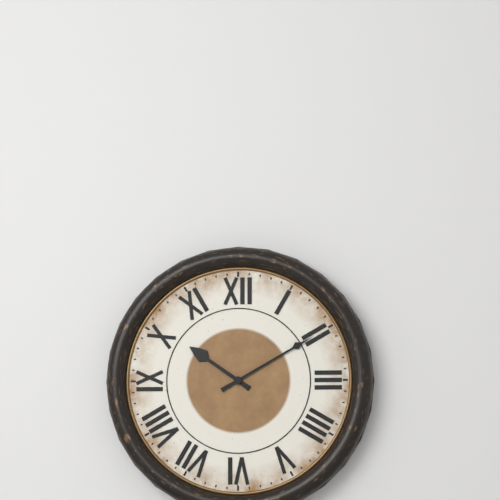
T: 10:10
